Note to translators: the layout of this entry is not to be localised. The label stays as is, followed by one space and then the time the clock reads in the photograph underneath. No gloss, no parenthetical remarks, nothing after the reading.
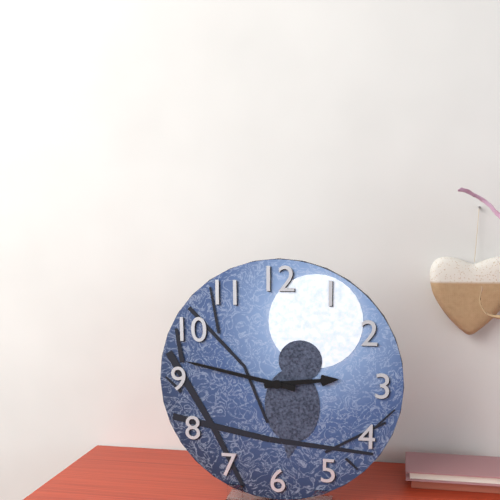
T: 2:47
